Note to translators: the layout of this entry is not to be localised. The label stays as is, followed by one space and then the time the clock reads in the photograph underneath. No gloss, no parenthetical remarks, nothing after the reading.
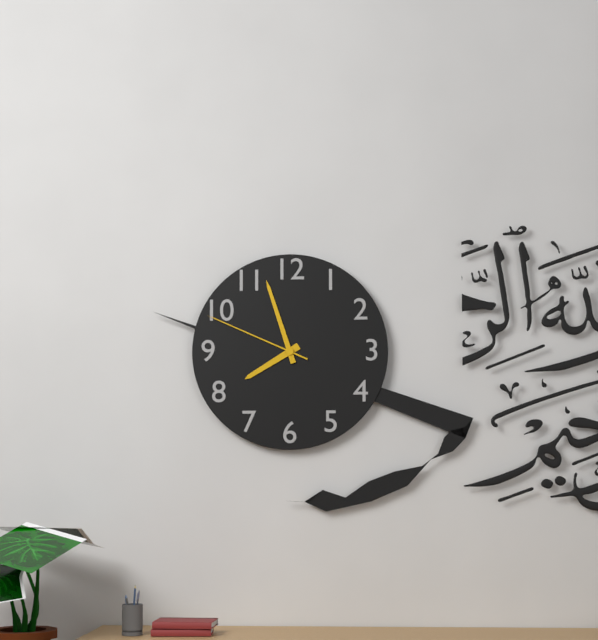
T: 7:57:49
